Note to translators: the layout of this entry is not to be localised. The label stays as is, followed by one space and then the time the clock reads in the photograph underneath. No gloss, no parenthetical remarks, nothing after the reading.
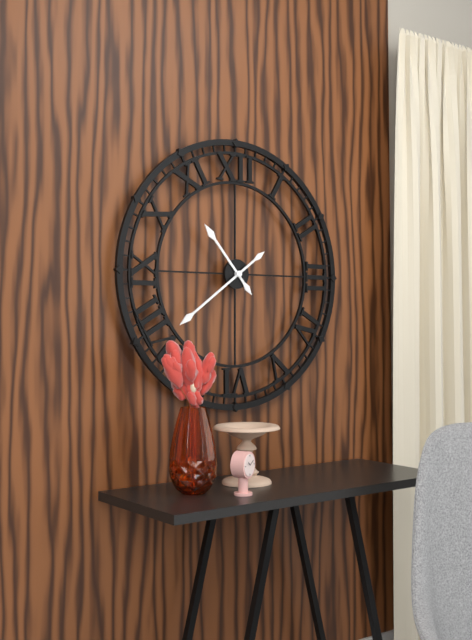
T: 10:39
